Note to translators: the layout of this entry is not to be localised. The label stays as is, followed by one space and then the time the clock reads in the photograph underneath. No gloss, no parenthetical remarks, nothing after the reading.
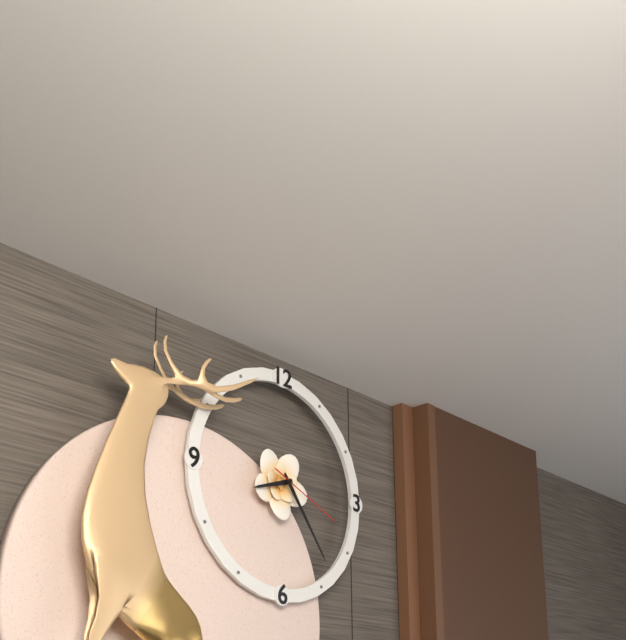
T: 8:24:19
